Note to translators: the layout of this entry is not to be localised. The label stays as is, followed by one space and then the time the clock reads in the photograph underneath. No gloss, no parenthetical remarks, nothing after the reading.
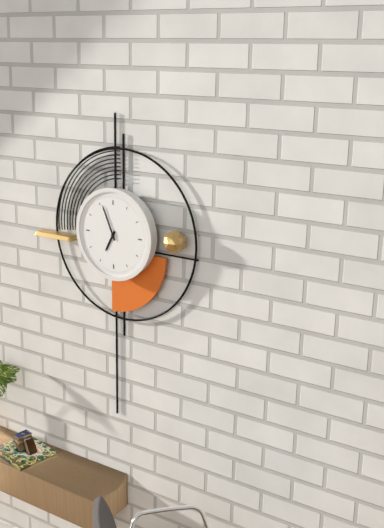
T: 6:56
